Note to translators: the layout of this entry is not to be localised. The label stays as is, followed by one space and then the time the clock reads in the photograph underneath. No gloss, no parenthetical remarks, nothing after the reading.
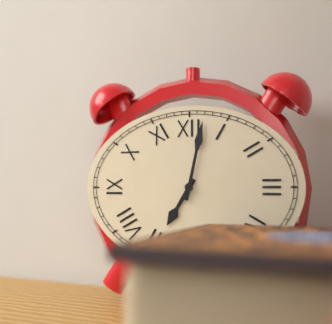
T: 7:02
